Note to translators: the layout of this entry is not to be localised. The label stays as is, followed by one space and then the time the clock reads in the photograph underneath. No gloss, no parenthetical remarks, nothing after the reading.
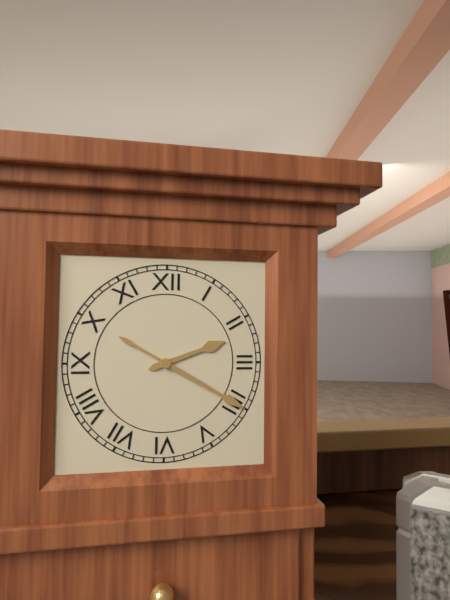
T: 2:20
